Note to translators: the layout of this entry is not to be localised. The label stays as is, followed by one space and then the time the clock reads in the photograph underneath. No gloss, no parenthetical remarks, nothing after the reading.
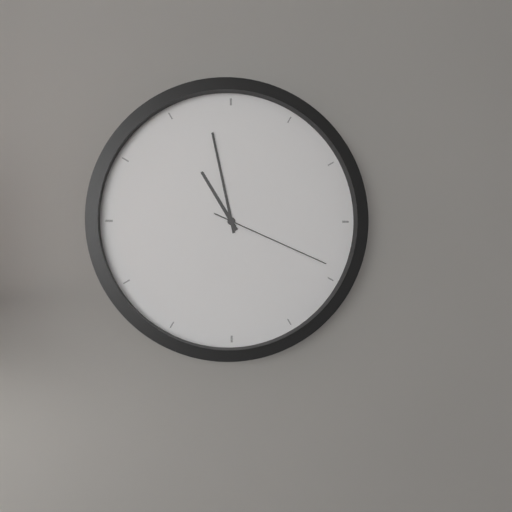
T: 10:58:19
